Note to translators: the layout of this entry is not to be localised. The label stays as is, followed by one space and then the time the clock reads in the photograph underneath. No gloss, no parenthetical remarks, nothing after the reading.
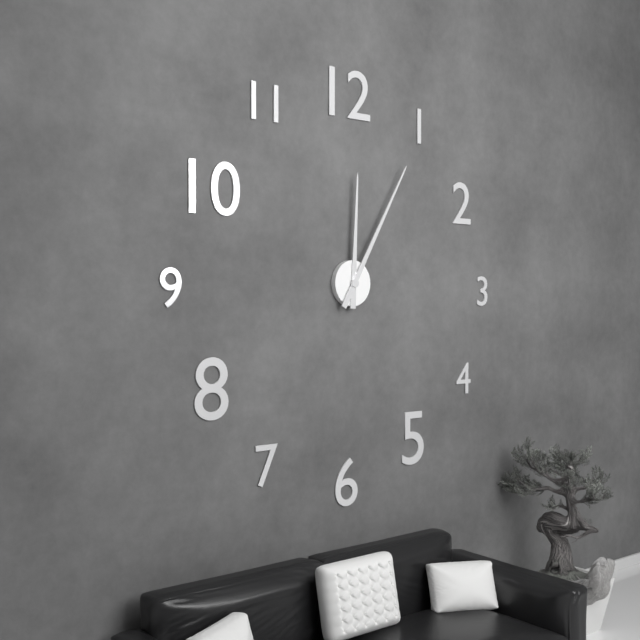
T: 12:05
